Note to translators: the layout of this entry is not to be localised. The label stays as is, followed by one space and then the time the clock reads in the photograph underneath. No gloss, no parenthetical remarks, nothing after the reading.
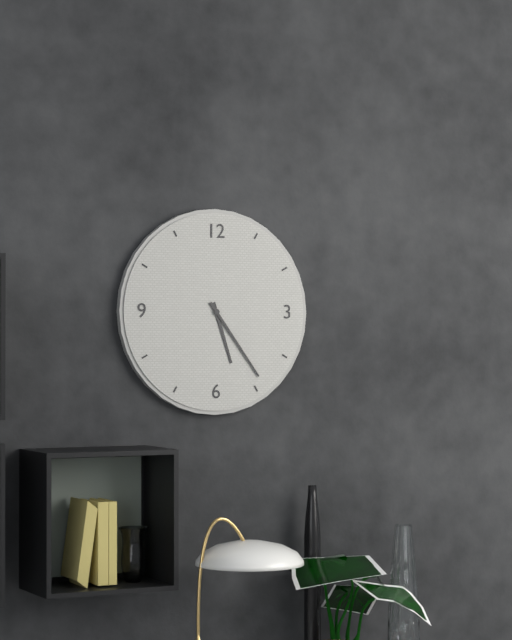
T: 5:24
